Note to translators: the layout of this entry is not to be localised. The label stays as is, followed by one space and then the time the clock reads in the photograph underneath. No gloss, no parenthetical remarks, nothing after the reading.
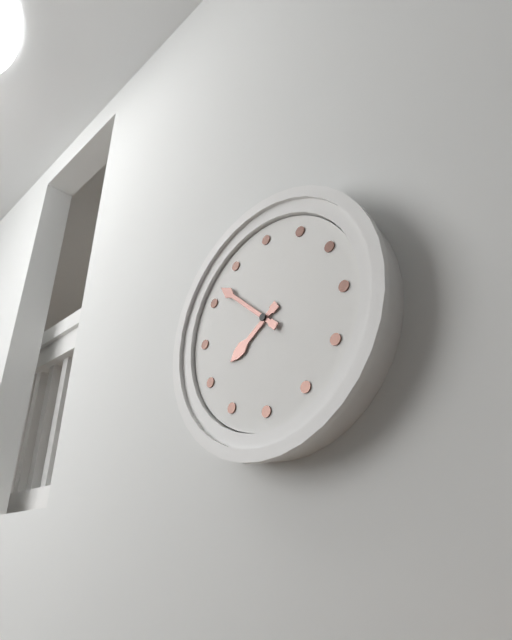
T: 7:52
